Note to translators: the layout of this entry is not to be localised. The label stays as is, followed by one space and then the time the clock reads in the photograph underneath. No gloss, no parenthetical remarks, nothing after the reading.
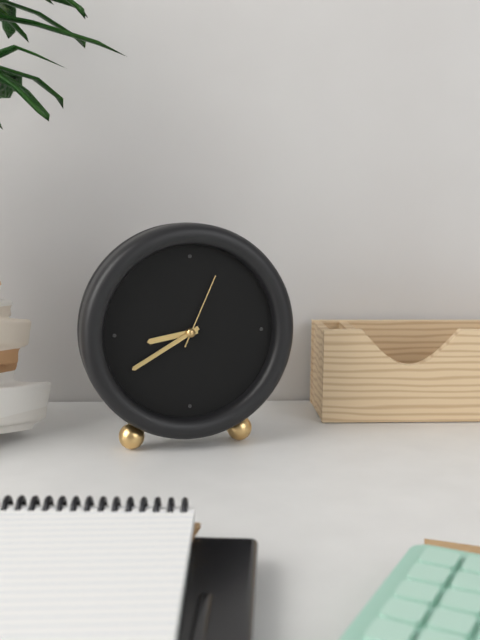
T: 8:40:04
